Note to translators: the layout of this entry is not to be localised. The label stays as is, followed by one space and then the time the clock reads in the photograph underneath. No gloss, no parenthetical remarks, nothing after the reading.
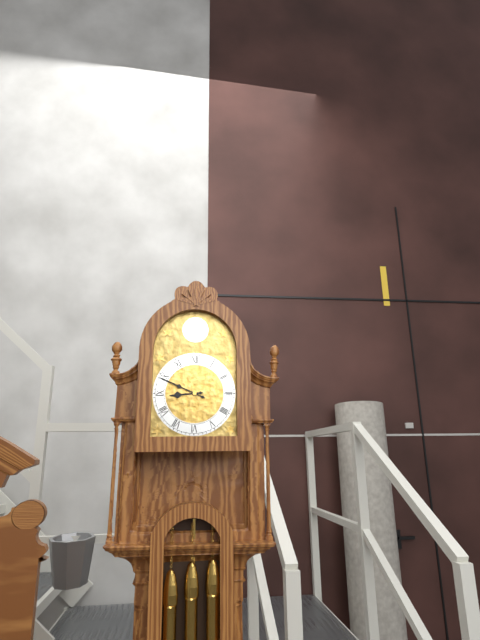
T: 8:49
